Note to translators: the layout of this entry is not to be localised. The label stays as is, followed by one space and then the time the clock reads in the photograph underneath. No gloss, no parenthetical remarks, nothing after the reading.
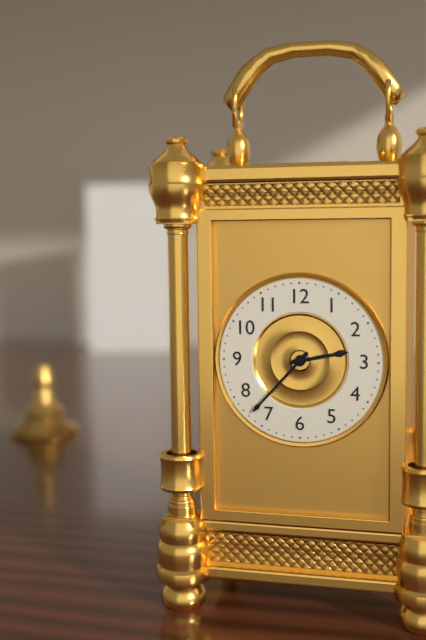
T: 2:37
